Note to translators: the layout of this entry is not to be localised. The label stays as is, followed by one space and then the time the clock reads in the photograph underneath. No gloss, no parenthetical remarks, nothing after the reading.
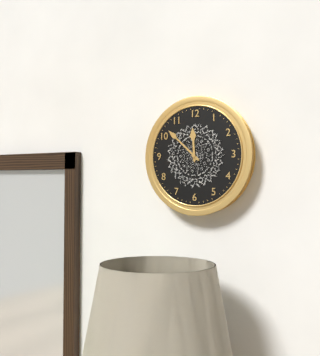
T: 11:52
